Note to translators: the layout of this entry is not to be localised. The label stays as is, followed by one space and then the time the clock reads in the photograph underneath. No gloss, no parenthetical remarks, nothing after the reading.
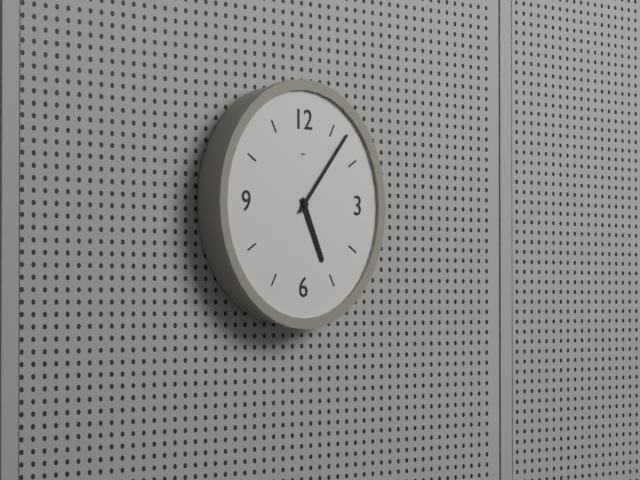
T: 5:07
